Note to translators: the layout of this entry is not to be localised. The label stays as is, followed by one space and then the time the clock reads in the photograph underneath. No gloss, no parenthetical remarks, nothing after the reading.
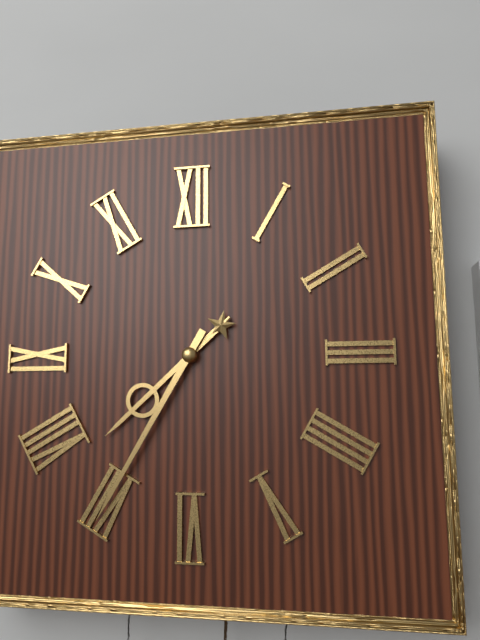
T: 7:35
